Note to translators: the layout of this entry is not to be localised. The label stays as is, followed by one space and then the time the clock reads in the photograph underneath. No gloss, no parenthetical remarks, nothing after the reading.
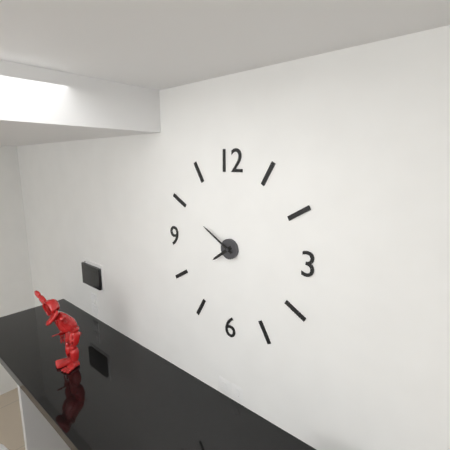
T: 7:50
